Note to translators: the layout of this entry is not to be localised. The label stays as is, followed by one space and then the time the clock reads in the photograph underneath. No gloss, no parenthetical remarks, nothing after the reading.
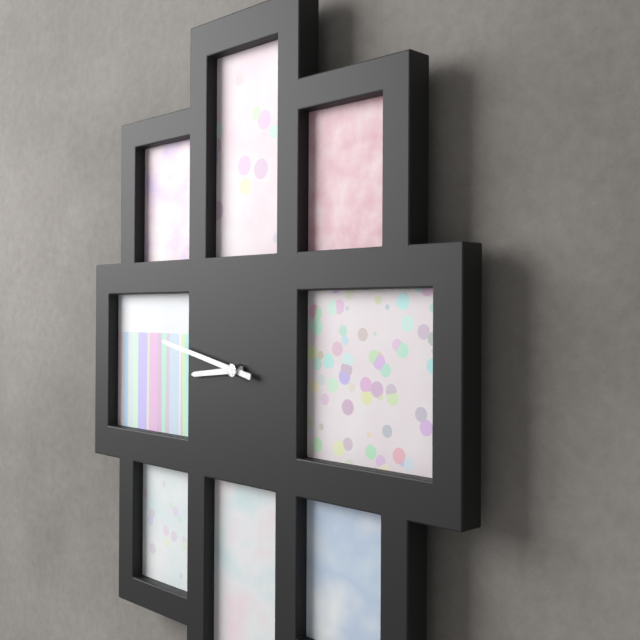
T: 8:47
